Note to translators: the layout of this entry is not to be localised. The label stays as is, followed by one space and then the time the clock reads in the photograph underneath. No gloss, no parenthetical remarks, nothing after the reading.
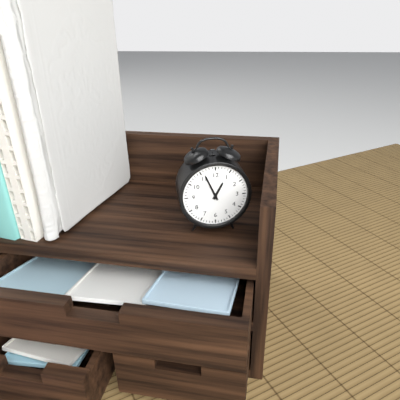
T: 12:56
